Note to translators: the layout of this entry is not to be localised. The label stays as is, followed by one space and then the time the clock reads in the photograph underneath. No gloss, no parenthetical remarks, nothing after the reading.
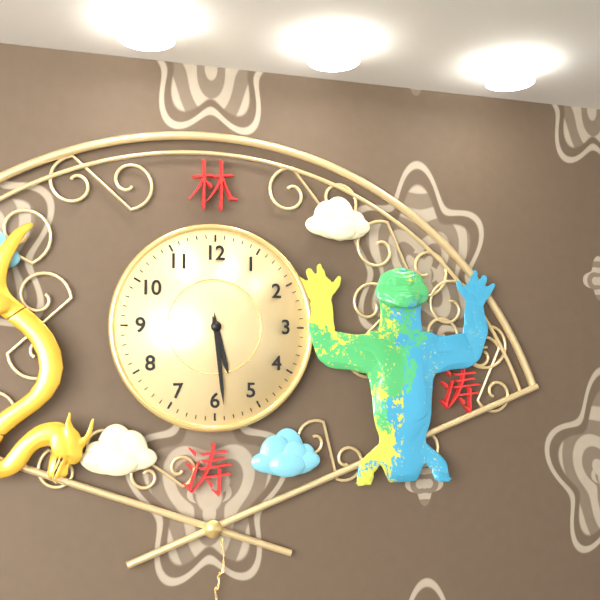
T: 5:29
